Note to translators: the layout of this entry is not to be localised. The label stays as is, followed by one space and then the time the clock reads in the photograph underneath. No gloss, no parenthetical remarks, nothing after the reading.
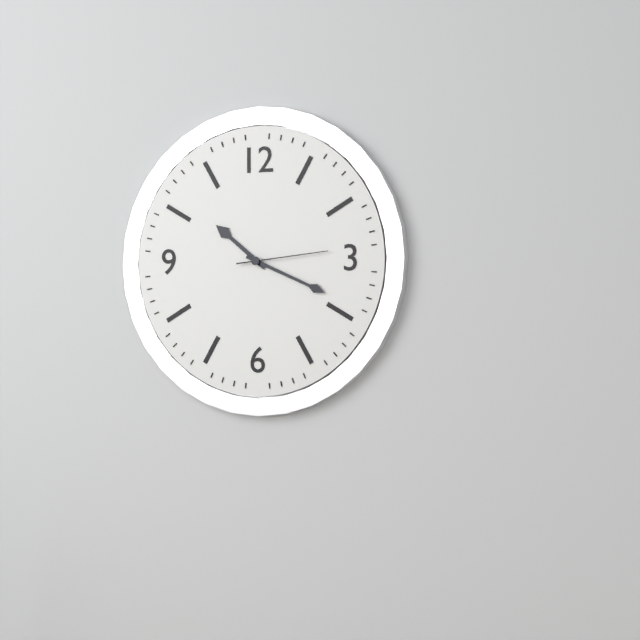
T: 10:19:14
